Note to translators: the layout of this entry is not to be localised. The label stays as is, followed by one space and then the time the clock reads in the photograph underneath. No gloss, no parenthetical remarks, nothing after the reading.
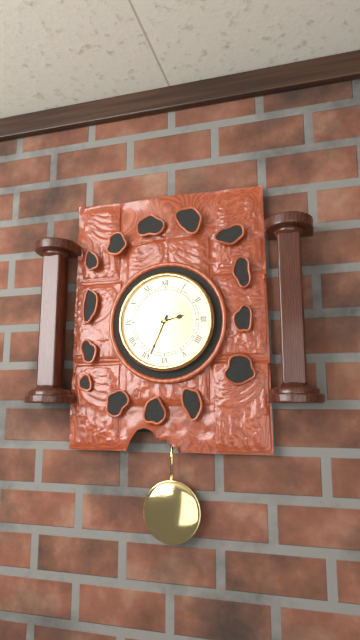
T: 2:34
